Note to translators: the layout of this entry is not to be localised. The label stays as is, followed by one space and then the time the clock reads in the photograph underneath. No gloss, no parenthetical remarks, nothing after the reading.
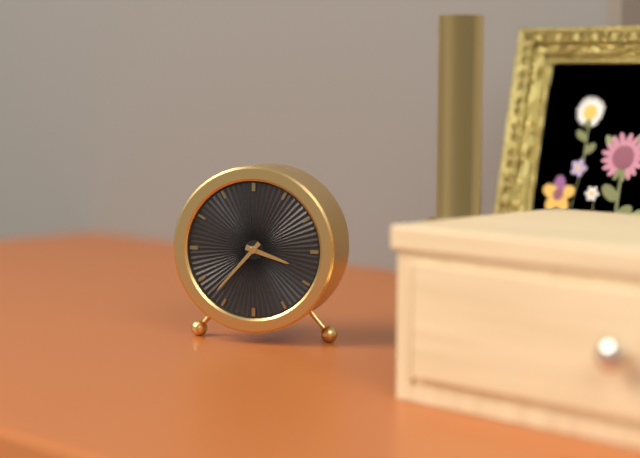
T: 3:37
